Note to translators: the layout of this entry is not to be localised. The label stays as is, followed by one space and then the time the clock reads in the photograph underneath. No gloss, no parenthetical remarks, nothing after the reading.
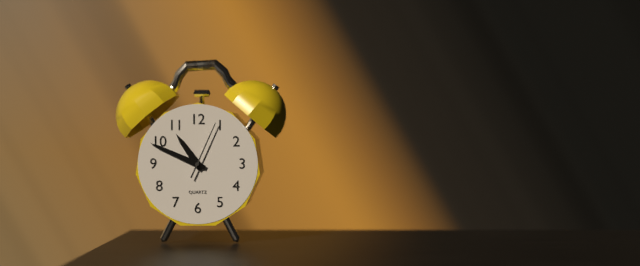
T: 10:49:04
